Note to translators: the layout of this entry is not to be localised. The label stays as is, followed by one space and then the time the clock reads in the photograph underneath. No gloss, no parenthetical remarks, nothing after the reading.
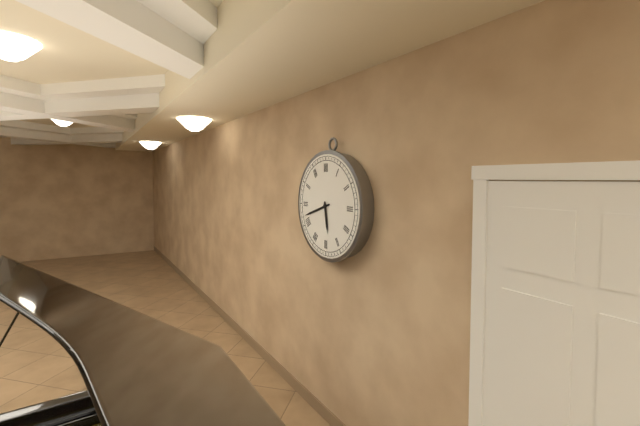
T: 5:42
